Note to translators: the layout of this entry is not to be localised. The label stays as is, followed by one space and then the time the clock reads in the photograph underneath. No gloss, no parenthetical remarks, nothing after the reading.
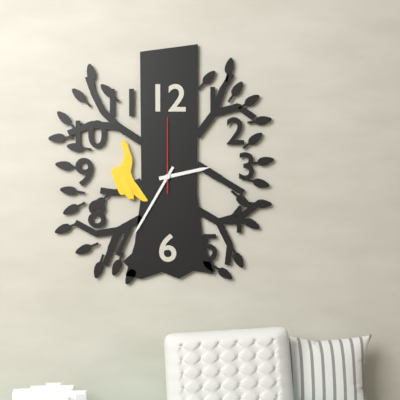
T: 2:35:00
